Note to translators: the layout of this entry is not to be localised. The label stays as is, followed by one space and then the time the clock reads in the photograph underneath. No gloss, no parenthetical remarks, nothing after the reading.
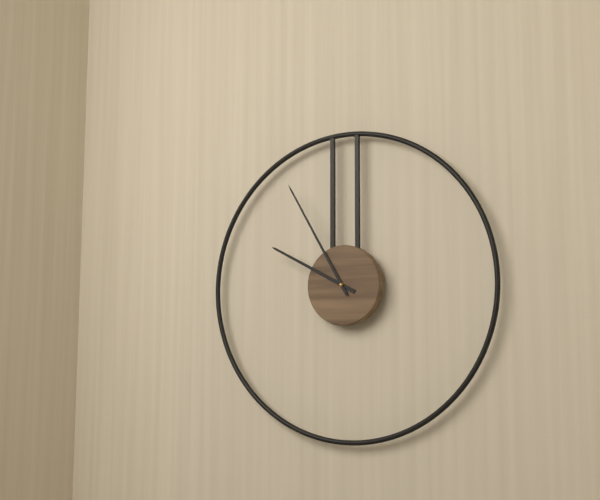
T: 9:55
